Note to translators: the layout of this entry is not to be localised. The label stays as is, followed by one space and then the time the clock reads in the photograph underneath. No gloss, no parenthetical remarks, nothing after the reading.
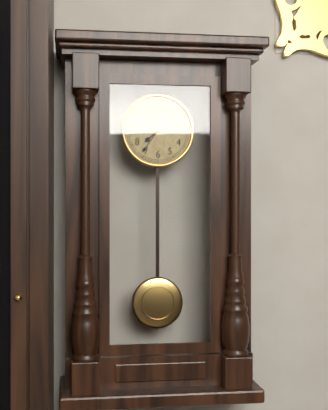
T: 7:36
